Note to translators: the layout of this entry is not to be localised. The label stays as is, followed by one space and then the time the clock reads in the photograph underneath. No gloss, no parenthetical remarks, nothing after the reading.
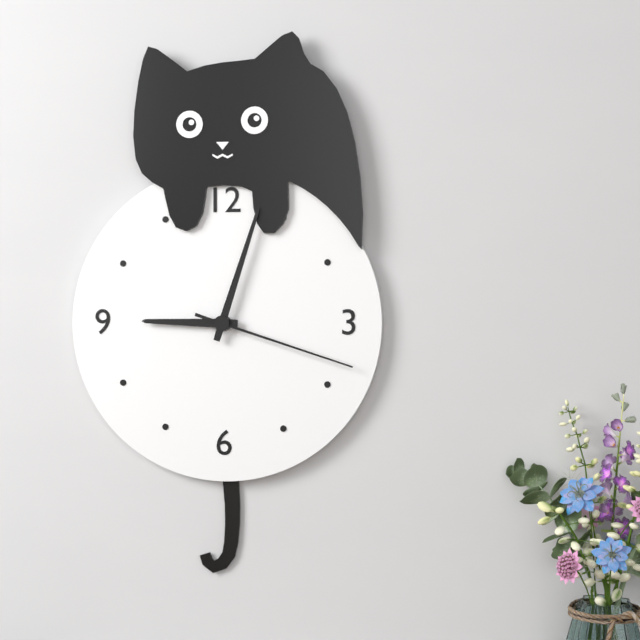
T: 9:03:18
